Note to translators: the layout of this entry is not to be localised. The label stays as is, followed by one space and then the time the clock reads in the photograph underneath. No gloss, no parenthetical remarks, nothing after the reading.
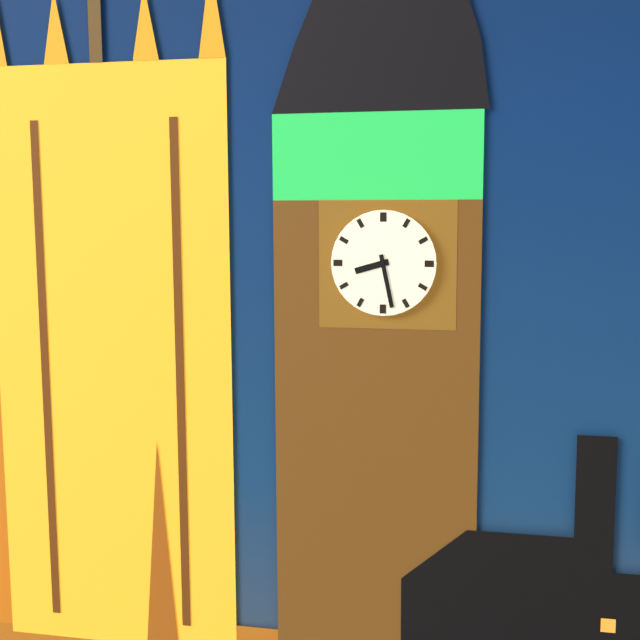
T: 8:28
